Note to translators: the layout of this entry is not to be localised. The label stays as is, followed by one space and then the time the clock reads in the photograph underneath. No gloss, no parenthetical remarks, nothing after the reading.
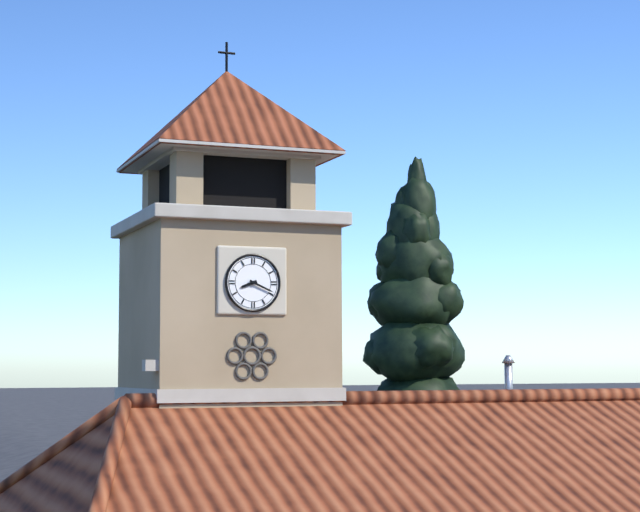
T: 8:19
